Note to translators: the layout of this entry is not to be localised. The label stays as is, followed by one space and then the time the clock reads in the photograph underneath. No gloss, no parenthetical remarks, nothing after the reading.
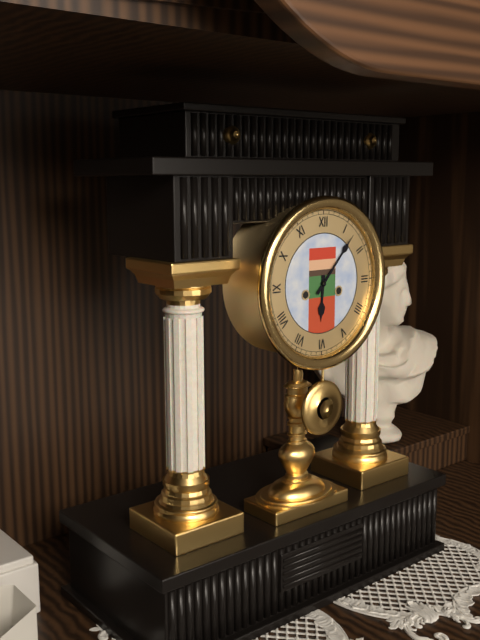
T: 6:07
